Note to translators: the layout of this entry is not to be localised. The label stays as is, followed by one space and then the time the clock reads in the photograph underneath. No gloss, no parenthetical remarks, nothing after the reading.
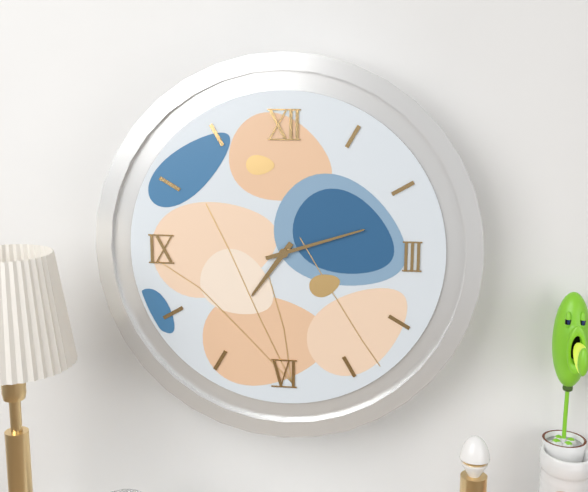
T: 7:12
